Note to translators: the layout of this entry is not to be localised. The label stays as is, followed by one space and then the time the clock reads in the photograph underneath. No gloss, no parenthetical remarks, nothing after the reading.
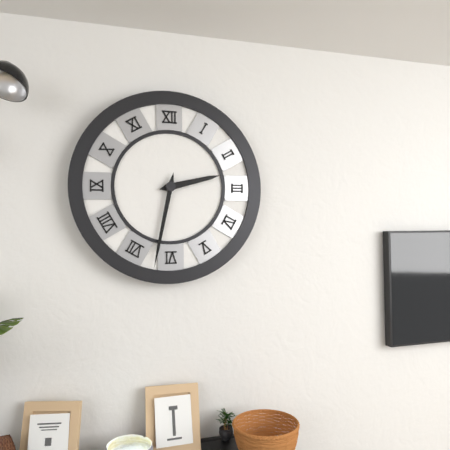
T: 2:32
